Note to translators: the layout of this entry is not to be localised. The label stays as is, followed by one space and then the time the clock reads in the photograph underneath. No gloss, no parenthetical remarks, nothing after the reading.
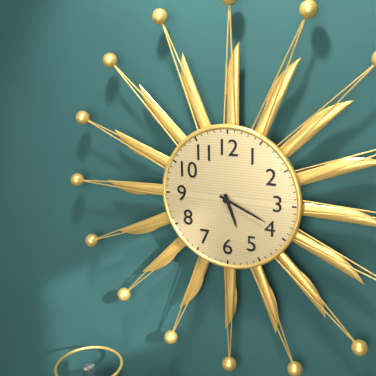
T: 5:19
